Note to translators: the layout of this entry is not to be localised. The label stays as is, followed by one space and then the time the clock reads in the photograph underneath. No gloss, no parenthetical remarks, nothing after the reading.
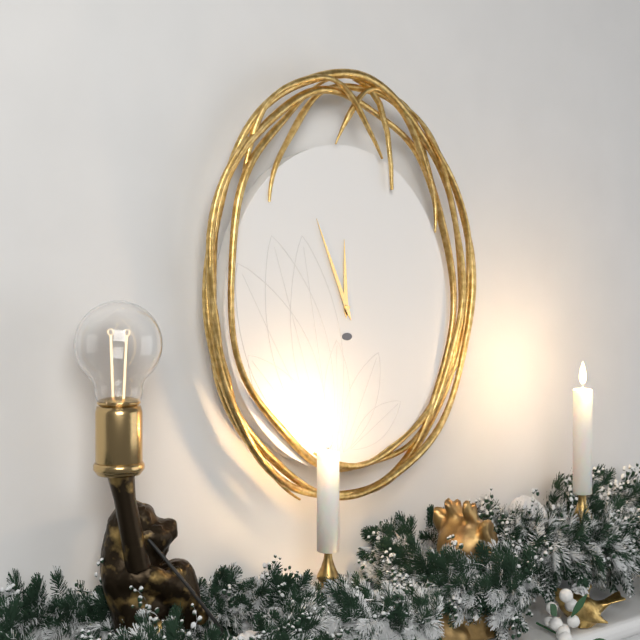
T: 11:56
